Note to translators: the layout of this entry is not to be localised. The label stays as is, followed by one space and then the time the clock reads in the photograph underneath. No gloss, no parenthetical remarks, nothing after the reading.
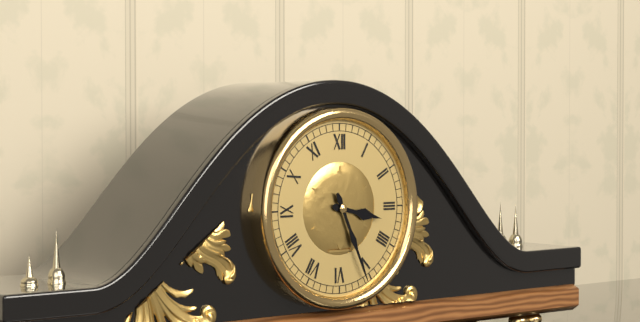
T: 3:26
